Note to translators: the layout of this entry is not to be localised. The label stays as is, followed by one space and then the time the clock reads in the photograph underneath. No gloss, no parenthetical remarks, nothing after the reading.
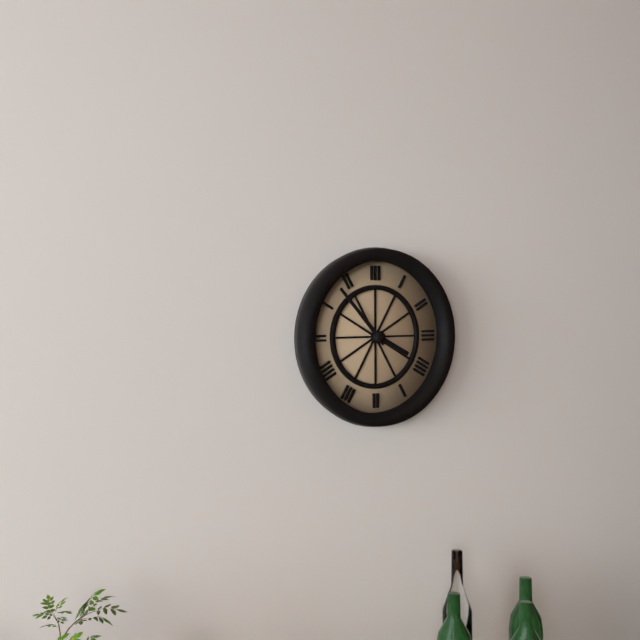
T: 3:53
